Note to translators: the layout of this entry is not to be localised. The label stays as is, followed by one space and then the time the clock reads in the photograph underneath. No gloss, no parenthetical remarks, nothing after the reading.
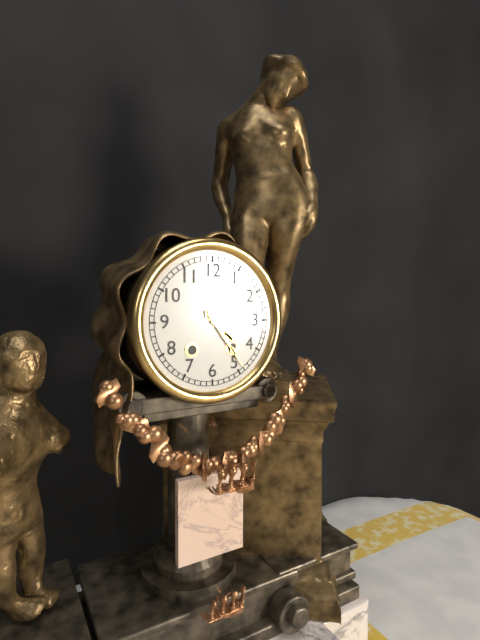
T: 4:24
